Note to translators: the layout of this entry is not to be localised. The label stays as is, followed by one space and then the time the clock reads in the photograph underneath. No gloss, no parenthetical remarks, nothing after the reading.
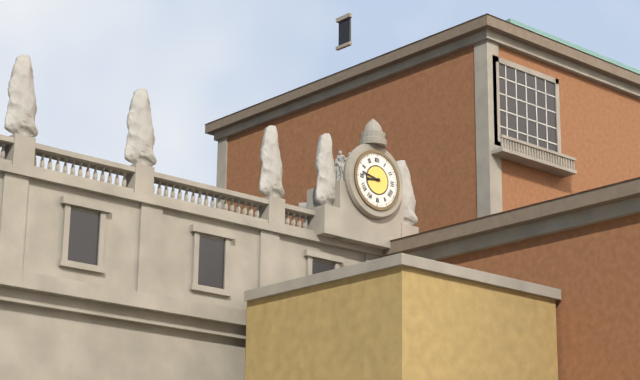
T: 8:47
